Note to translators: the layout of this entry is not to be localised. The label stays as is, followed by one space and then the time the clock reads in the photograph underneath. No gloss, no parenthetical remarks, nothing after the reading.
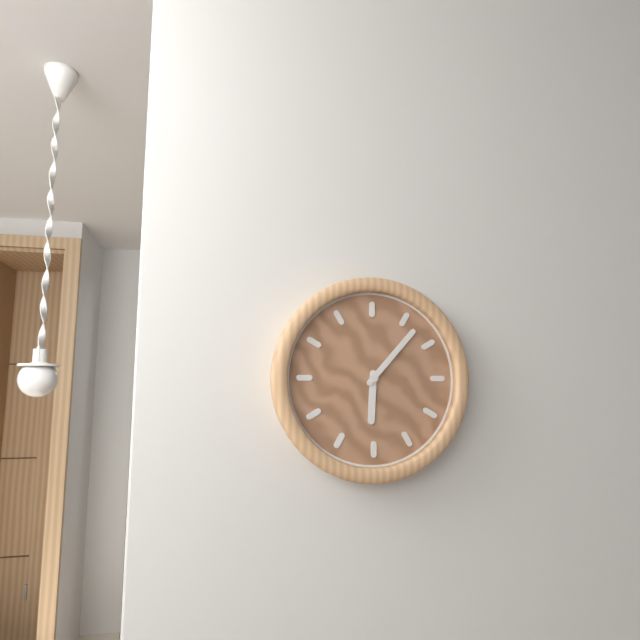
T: 6:07
